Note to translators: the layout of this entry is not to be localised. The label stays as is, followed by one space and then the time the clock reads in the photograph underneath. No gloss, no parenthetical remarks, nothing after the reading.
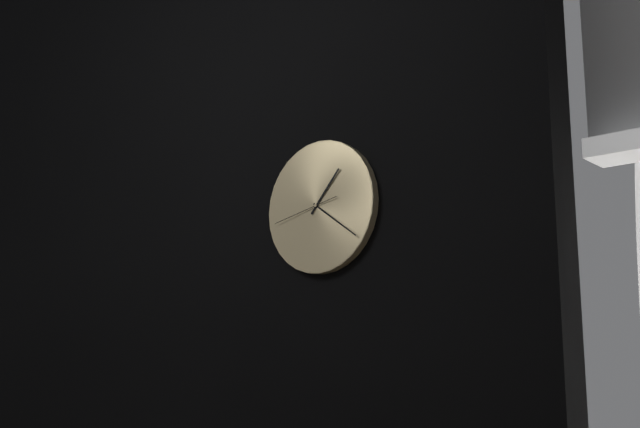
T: 1:21:43
